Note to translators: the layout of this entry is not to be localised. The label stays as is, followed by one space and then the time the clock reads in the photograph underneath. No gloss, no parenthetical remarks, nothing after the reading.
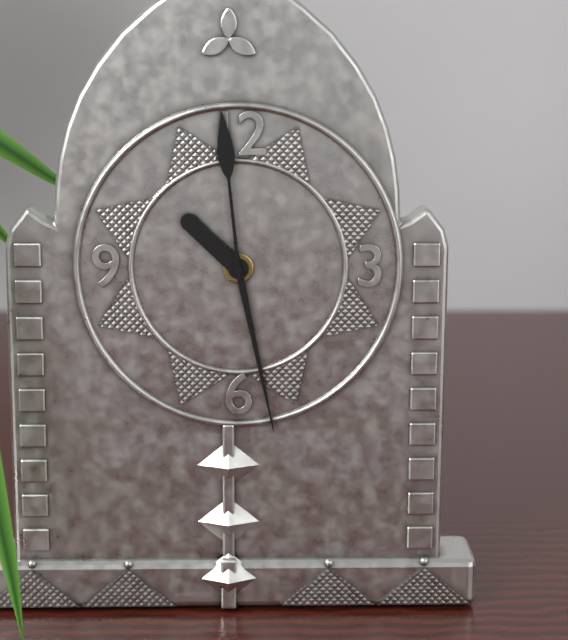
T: 10:28:59
